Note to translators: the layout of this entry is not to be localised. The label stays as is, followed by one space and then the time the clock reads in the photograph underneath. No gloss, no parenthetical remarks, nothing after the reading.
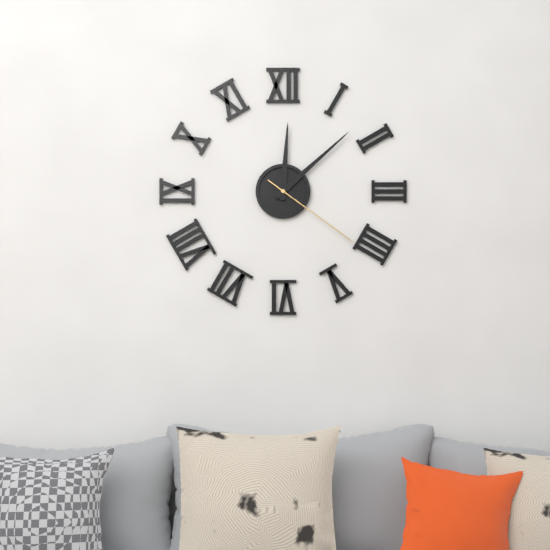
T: 12:08:21
